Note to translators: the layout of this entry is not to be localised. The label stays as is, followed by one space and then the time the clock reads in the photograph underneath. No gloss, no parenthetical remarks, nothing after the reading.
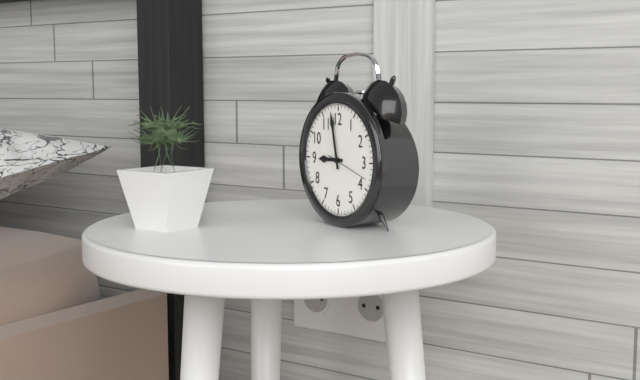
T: 8:58
